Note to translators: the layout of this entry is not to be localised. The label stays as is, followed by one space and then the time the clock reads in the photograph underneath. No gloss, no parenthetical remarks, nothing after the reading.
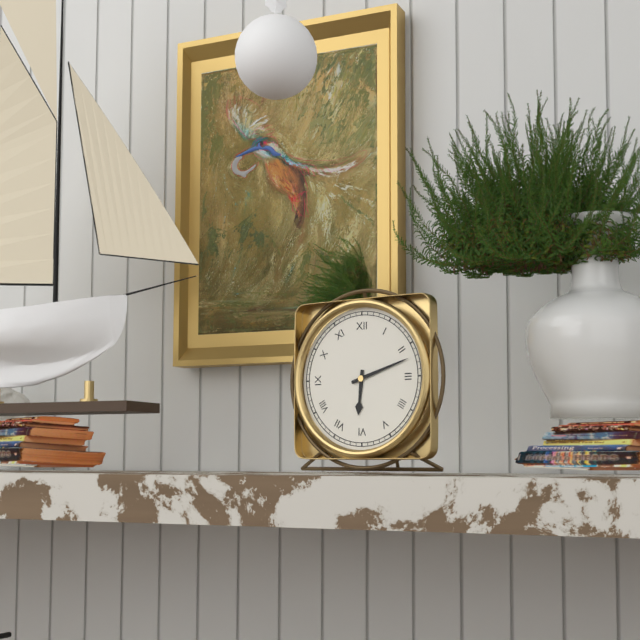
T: 6:12
